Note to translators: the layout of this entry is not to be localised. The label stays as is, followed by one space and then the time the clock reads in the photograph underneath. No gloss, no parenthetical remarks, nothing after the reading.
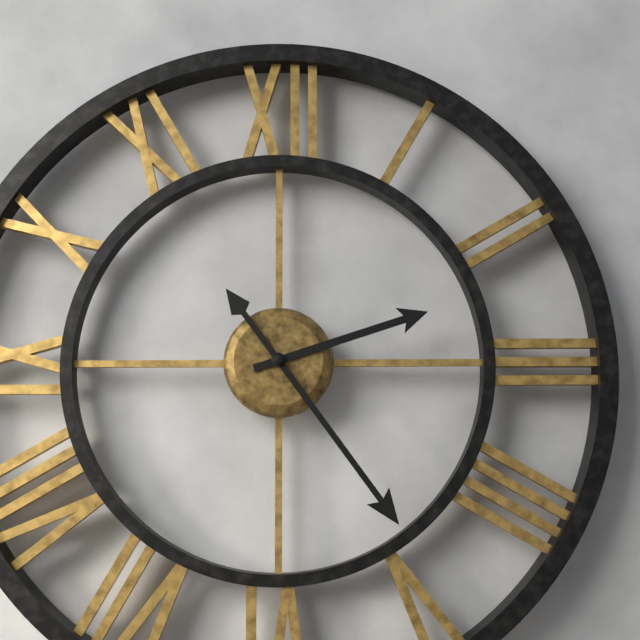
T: 2:24
